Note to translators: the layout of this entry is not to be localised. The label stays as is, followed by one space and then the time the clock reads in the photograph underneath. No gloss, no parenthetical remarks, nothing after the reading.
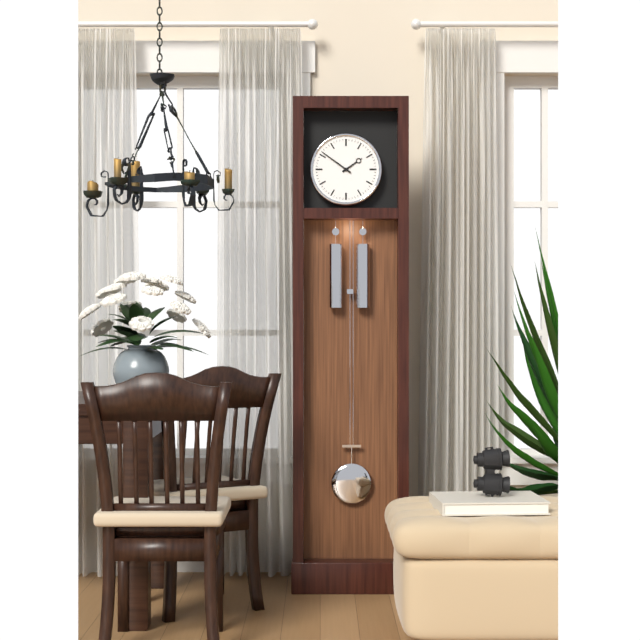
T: 1:51
